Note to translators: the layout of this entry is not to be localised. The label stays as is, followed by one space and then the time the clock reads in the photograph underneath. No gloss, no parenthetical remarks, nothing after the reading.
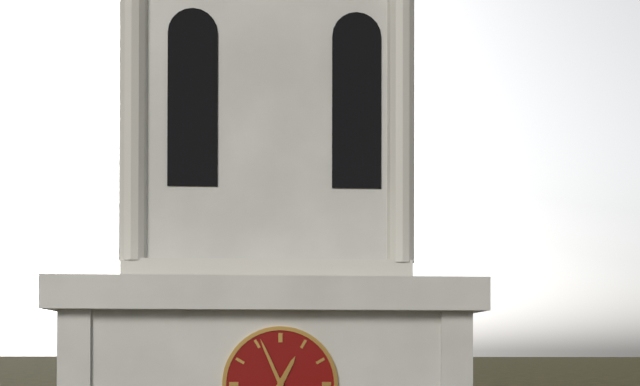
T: 12:56
